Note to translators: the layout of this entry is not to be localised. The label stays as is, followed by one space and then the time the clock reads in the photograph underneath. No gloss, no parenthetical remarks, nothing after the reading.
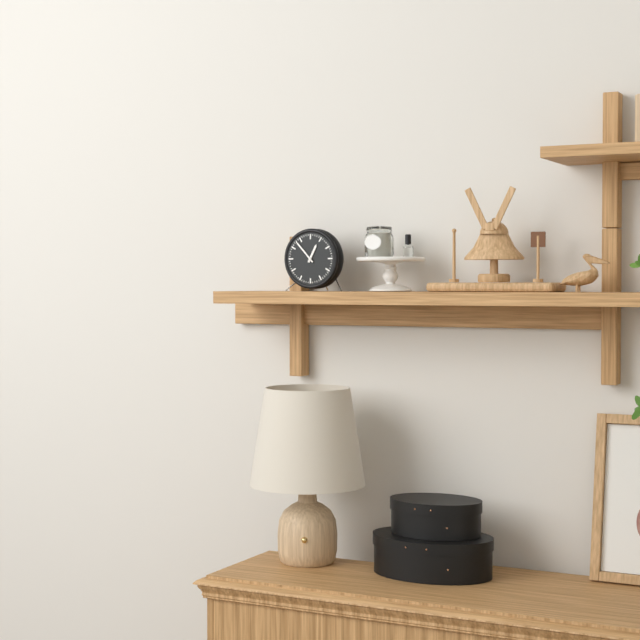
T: 12:53
